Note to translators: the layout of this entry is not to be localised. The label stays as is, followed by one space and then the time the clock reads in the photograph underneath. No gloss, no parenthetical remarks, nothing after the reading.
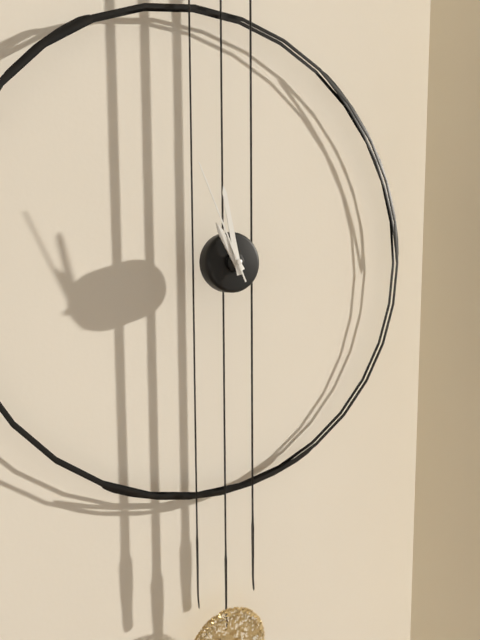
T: 10:58:56
